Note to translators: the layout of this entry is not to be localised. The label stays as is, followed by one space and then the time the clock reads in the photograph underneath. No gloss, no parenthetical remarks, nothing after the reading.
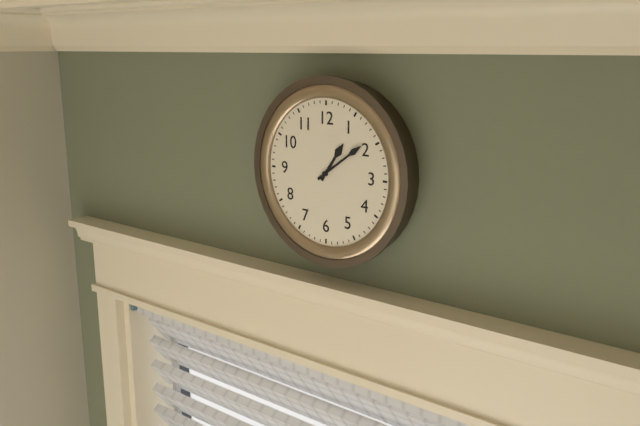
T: 1:09
